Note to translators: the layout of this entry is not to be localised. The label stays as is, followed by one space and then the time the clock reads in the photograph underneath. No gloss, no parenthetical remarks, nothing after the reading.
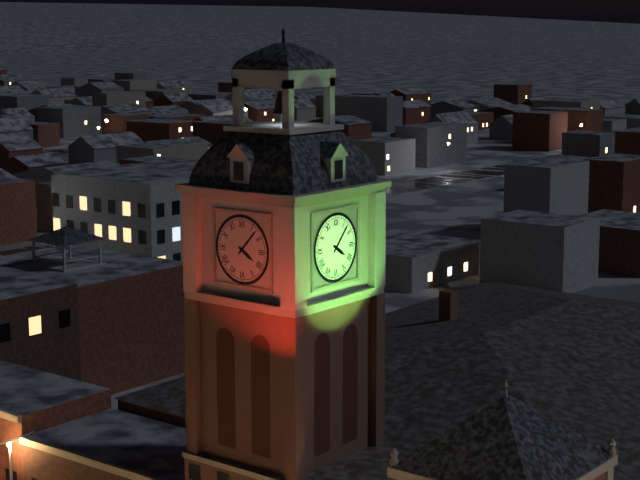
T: 4:07
